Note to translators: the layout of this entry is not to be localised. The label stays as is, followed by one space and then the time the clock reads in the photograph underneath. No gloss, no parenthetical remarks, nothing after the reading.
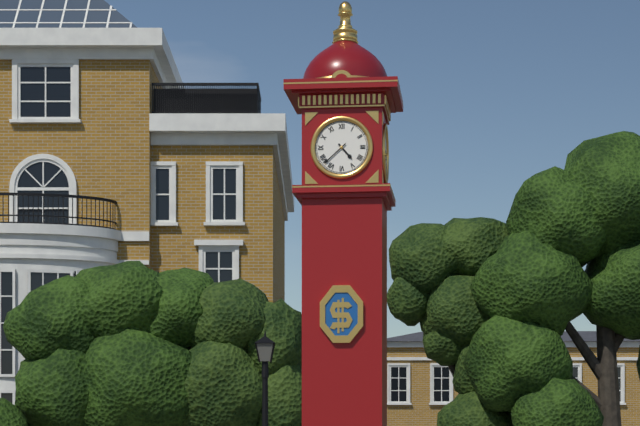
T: 4:38
